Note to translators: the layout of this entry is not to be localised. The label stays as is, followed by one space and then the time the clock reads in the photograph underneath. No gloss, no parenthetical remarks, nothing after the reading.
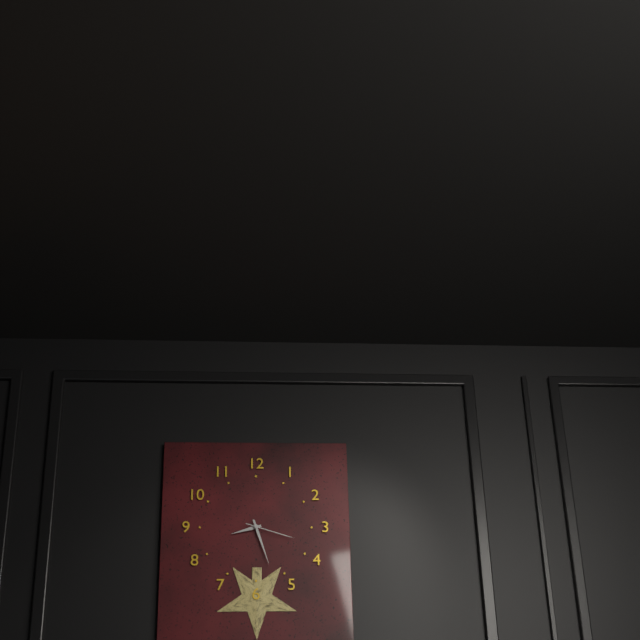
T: 8:27:18
